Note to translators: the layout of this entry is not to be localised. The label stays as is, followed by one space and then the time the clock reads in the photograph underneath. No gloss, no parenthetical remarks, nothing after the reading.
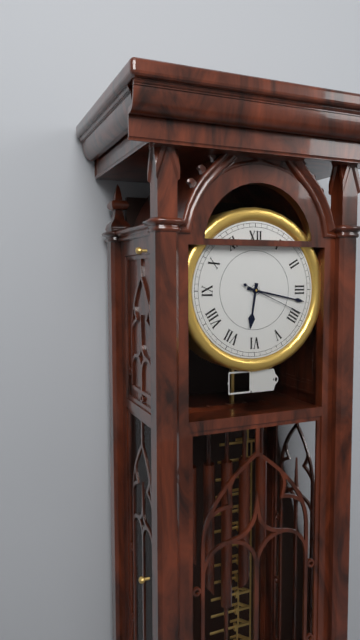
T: 6:17:19
